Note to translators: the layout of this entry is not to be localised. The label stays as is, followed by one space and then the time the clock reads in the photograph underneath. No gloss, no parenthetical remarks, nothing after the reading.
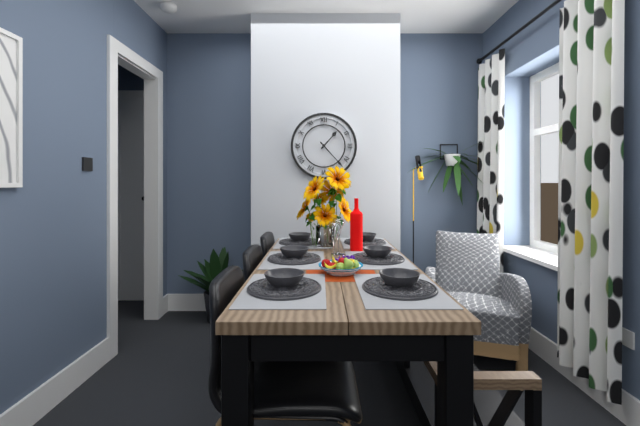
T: 1:23
